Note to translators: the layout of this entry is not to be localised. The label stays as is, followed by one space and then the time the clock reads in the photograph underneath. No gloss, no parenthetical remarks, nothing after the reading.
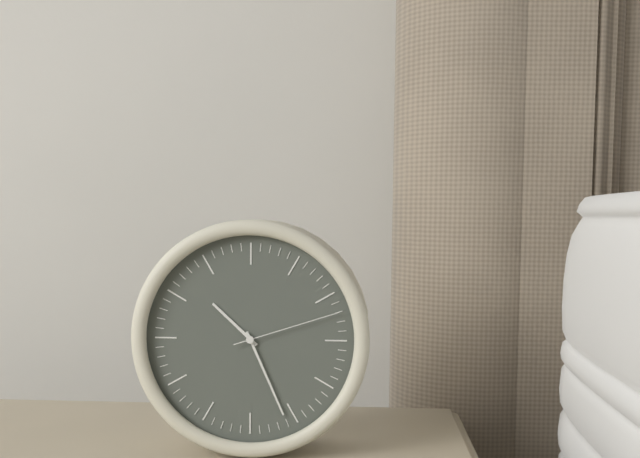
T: 10:26:12
